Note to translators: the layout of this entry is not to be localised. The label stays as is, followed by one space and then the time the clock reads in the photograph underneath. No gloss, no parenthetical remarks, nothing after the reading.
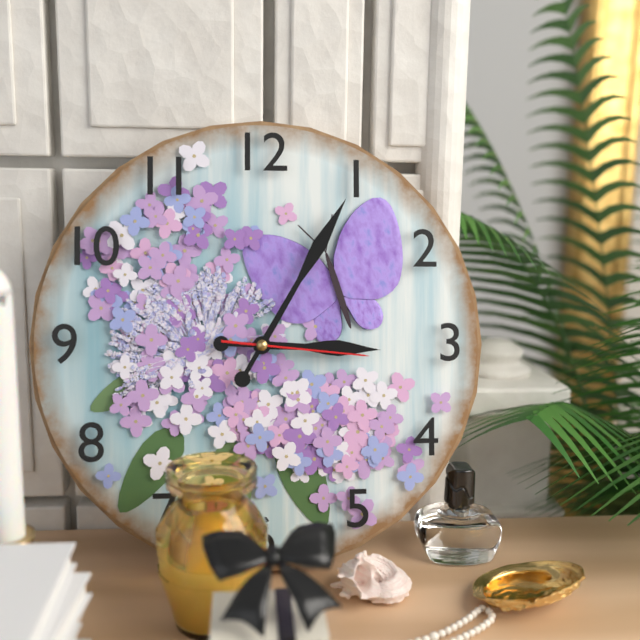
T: 3:05:16
